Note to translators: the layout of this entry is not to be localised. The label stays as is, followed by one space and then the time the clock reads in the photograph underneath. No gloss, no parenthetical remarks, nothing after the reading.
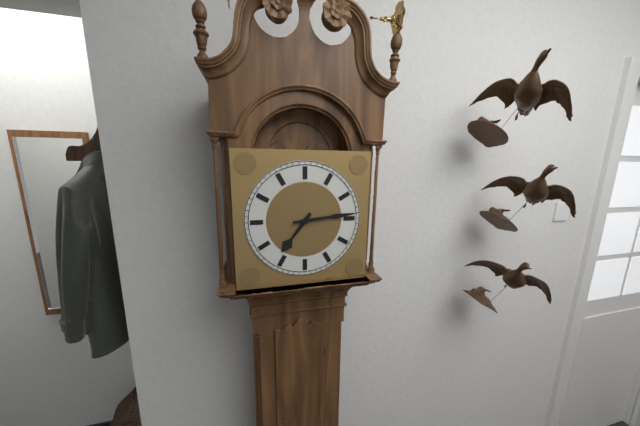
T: 7:14
